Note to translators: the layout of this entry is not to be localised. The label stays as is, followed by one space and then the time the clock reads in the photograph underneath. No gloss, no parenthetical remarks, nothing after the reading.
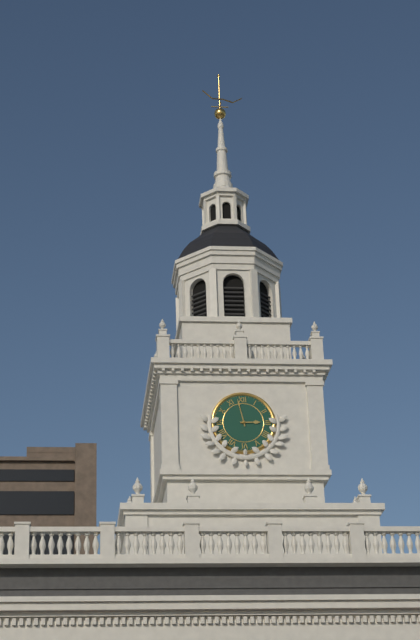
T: 2:58
